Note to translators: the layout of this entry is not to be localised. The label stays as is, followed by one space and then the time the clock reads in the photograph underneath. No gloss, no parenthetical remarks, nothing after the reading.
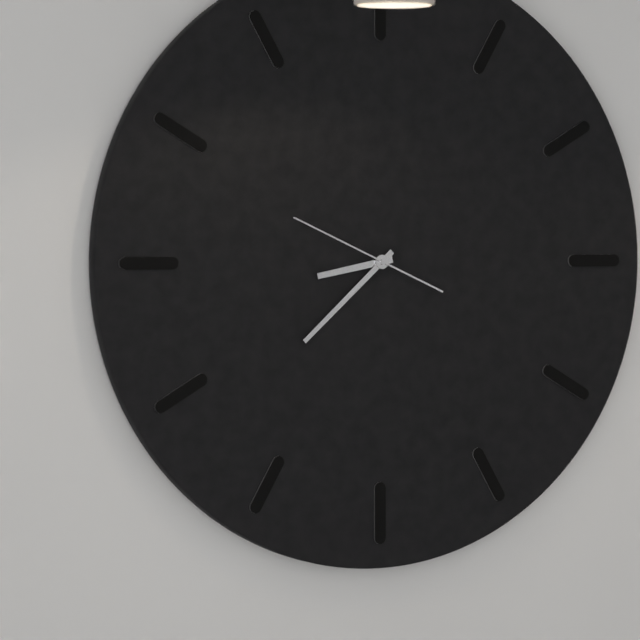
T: 8:38:49
